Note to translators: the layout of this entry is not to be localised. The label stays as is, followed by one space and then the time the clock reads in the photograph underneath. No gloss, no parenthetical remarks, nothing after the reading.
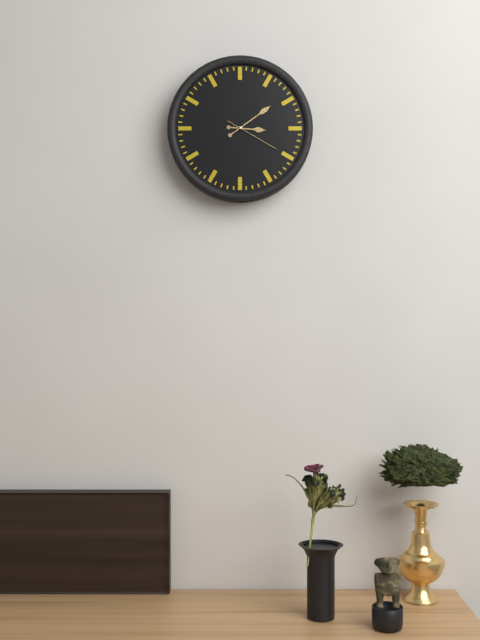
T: 3:09:20
